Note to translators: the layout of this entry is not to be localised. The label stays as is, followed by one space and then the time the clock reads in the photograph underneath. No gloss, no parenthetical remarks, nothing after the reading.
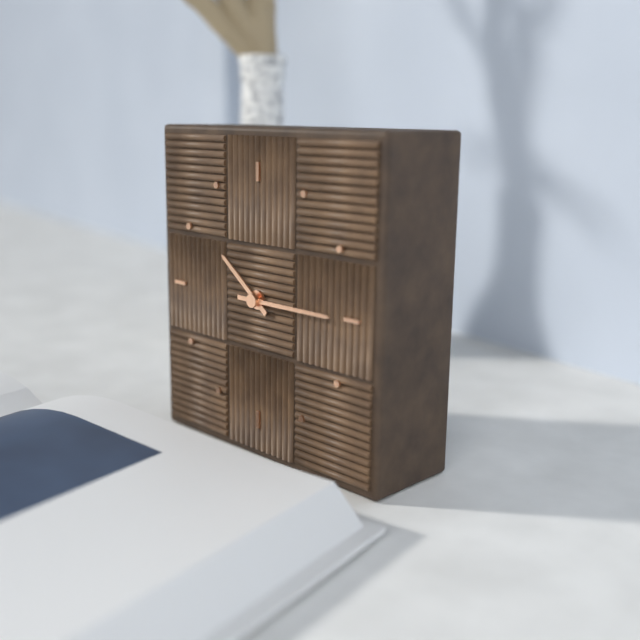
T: 10:15
